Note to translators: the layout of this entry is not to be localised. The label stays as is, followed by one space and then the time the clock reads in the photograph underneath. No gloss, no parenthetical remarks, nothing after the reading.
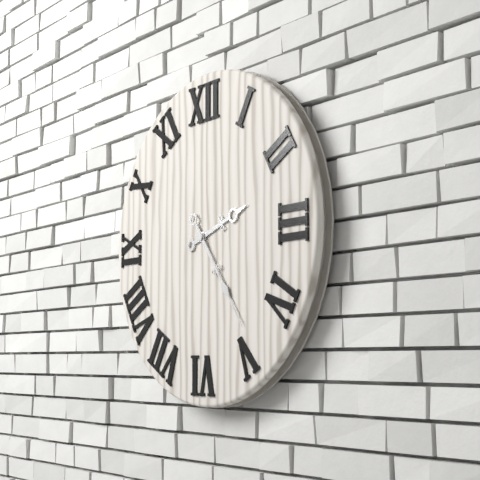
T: 2:24
